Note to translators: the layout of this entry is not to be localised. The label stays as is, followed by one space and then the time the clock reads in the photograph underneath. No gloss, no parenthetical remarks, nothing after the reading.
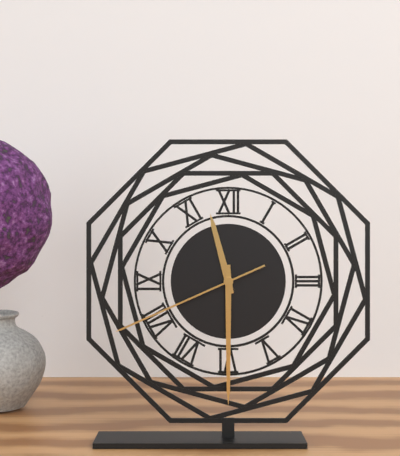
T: 11:30:41
